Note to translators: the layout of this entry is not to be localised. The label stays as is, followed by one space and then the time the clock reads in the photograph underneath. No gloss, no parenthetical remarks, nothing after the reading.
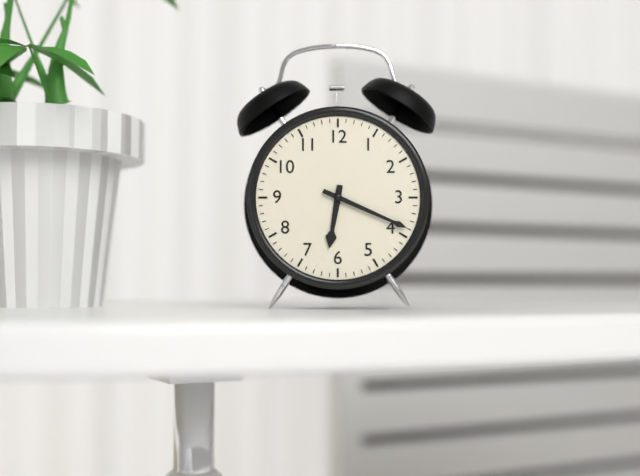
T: 6:19
